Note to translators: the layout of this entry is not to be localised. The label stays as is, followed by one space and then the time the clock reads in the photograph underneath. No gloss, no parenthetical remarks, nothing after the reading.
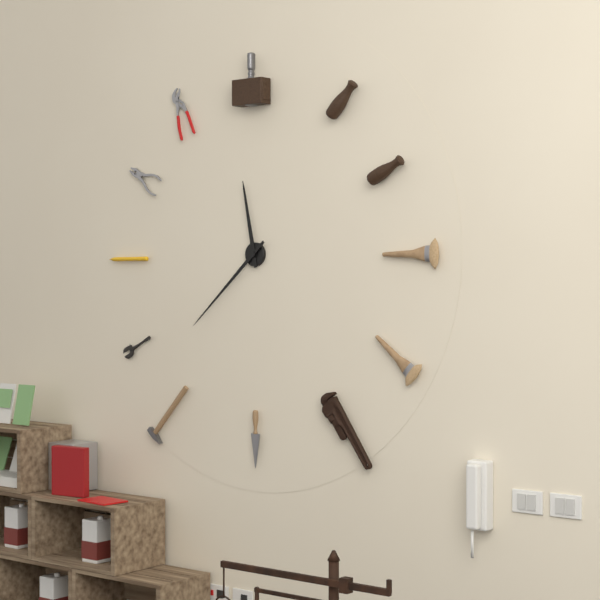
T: 11:38
